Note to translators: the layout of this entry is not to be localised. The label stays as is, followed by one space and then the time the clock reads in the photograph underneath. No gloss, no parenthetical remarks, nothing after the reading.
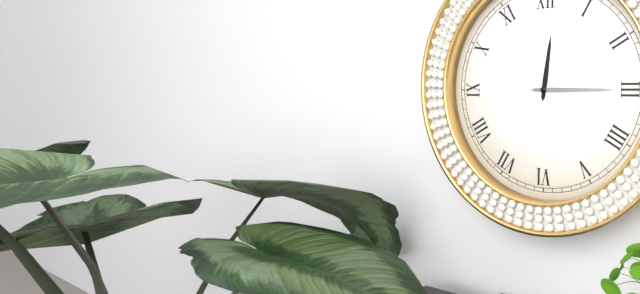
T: 12:15
